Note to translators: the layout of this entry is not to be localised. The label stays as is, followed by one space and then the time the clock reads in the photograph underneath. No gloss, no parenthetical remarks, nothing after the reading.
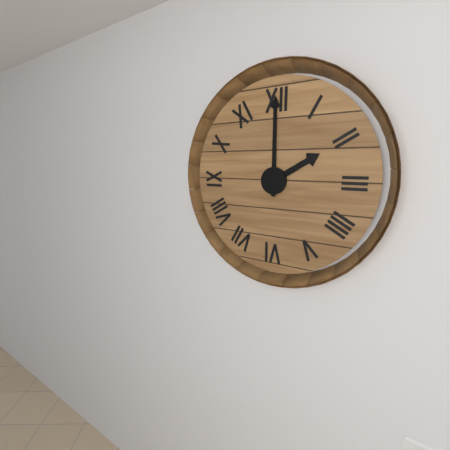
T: 2:00
